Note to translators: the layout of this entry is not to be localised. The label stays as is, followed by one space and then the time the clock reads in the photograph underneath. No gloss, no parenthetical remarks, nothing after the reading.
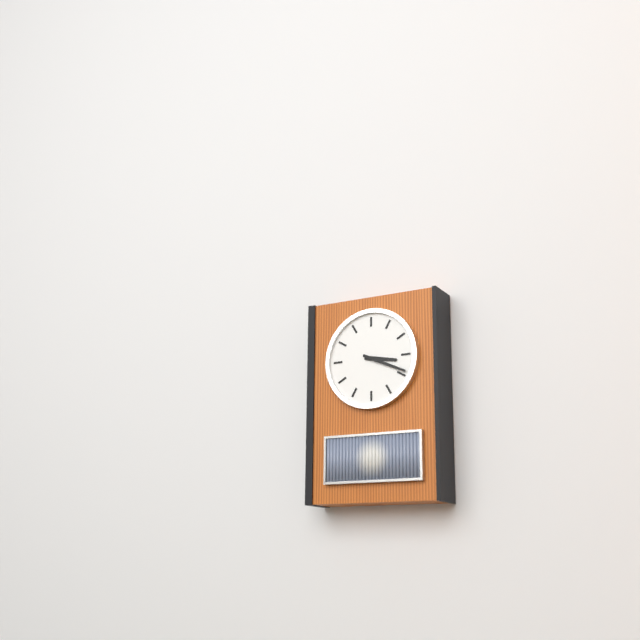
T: 3:19
